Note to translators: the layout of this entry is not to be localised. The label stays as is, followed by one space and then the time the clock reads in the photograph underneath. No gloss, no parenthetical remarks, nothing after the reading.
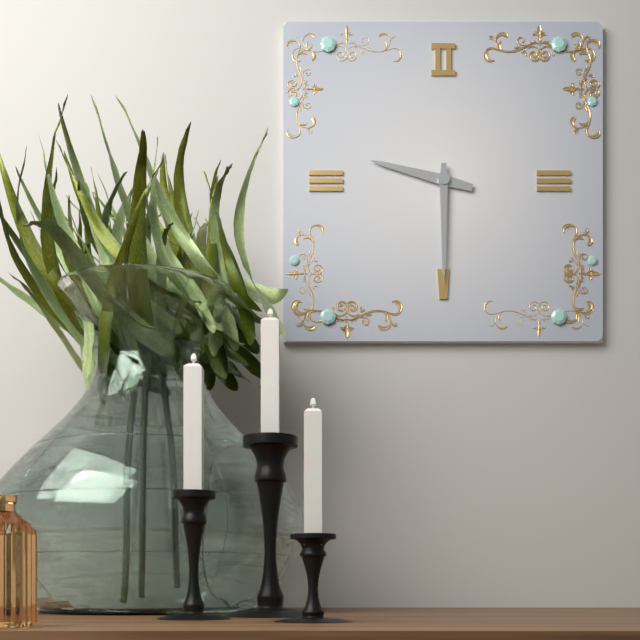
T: 9:30
